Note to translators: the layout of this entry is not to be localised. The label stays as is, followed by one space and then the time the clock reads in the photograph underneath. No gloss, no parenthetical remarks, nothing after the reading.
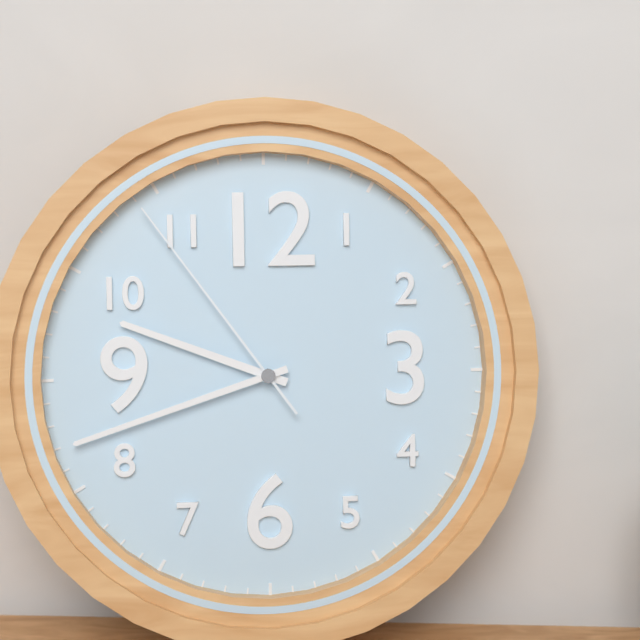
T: 9:42:54
